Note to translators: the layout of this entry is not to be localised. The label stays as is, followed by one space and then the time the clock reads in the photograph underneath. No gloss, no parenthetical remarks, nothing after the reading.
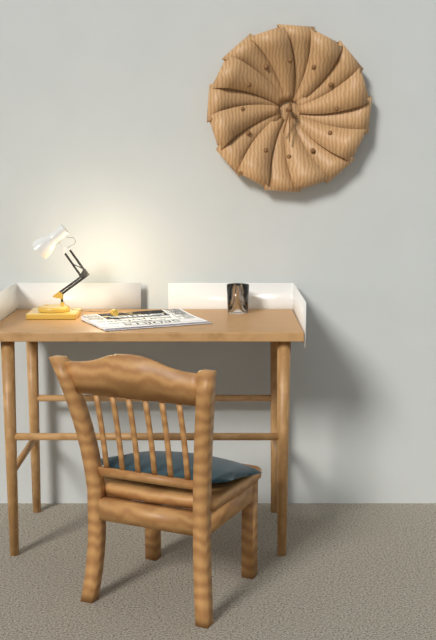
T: 6:30
